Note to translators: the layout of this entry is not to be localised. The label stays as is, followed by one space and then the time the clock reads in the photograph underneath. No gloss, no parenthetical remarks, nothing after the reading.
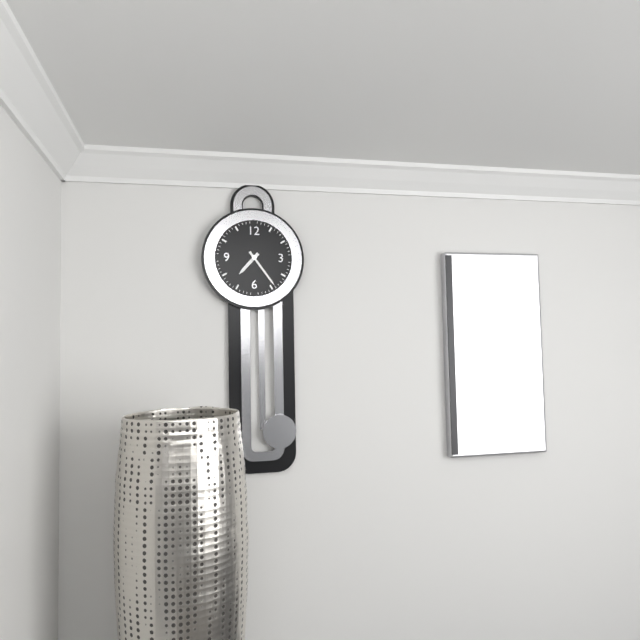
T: 7:24
